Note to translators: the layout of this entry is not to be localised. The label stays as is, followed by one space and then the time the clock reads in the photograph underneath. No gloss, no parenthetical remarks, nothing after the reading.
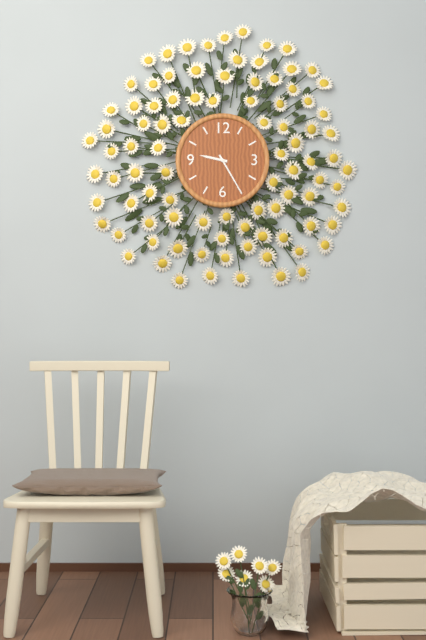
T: 9:25
